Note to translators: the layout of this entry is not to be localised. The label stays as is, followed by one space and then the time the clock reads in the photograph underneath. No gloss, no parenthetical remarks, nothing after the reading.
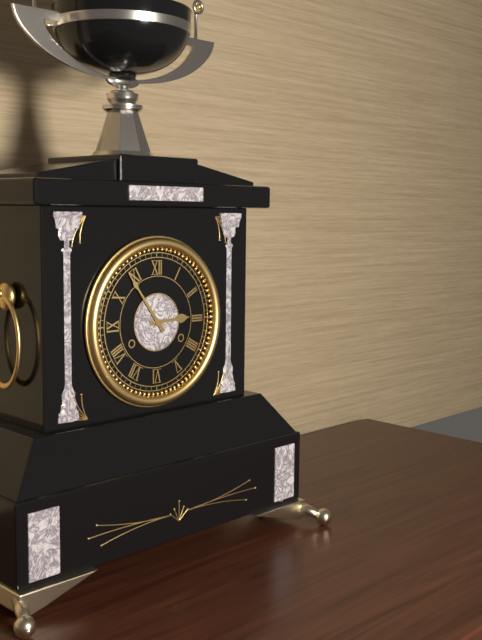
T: 2:54
